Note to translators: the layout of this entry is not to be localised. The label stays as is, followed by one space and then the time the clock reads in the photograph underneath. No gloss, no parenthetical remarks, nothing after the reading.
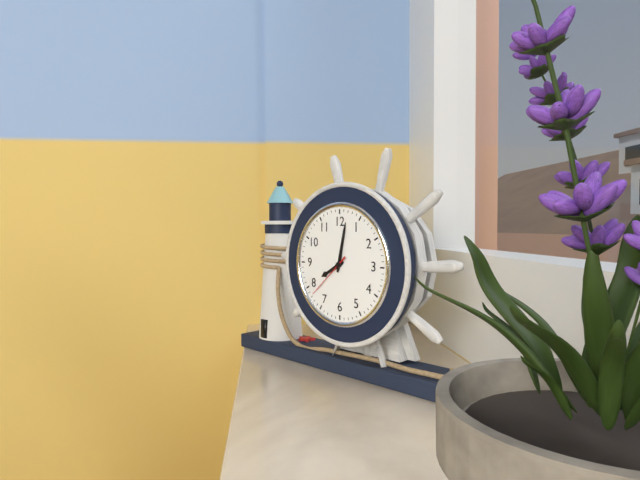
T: 8:02
